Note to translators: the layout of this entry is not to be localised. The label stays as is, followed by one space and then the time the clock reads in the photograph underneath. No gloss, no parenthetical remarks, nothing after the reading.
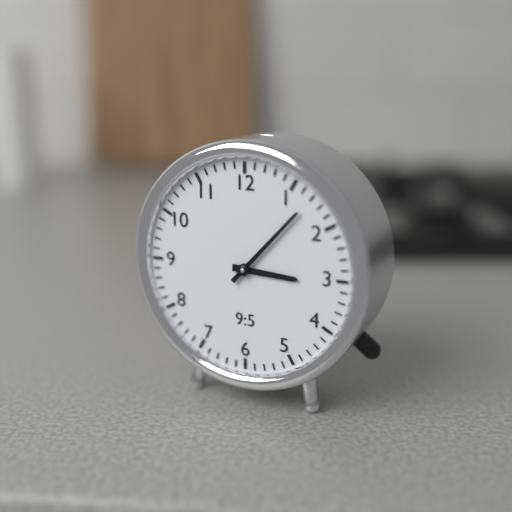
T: 3:07
